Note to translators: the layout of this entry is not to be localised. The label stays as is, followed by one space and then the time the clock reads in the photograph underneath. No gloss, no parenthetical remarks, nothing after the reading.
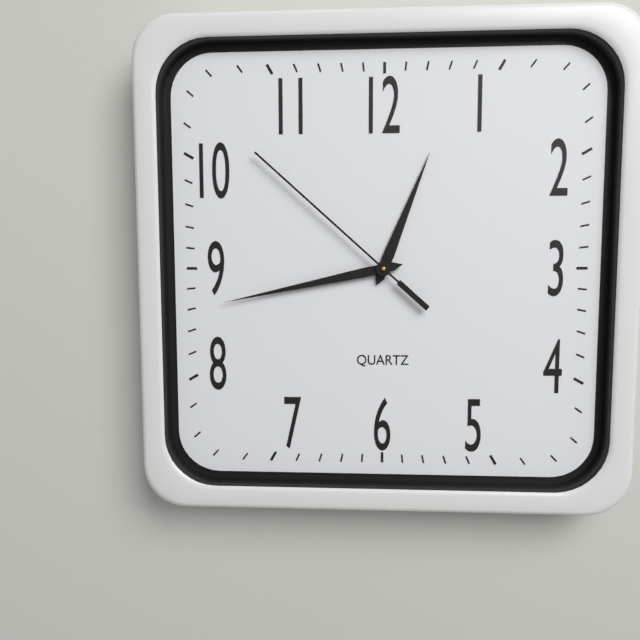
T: 12:43:52
